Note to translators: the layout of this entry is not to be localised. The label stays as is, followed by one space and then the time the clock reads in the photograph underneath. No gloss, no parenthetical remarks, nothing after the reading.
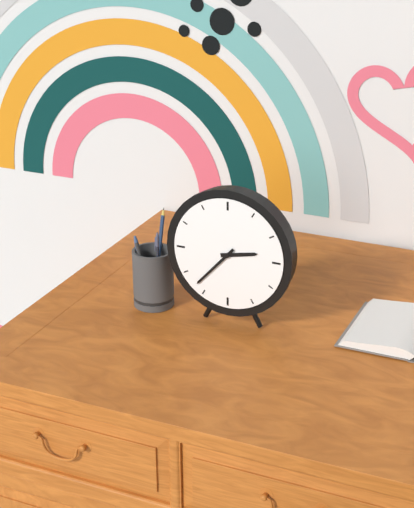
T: 2:37
